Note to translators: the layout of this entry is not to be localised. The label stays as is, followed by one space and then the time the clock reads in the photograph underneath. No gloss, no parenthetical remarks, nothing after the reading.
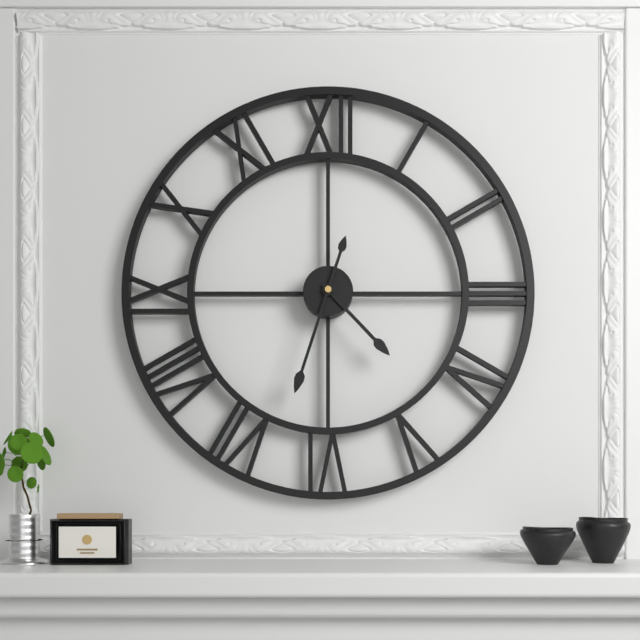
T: 4:33
